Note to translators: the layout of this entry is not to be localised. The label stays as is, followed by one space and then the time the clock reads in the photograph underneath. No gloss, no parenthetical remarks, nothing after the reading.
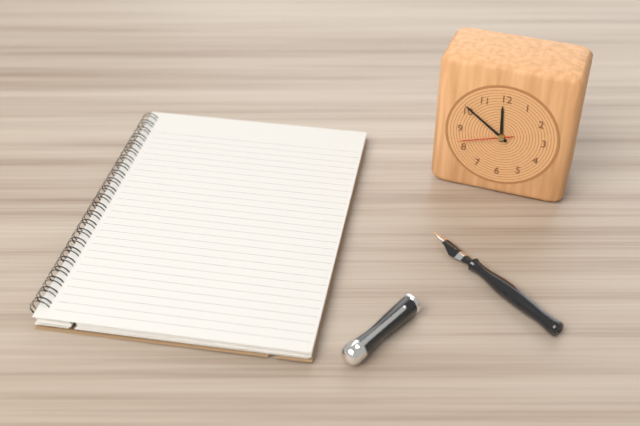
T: 11:51:42
